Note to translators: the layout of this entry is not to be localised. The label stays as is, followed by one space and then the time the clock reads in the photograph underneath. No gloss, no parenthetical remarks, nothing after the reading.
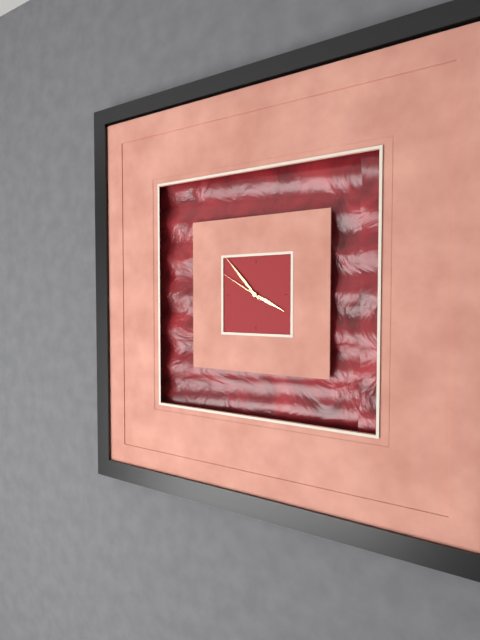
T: 3:53:50
